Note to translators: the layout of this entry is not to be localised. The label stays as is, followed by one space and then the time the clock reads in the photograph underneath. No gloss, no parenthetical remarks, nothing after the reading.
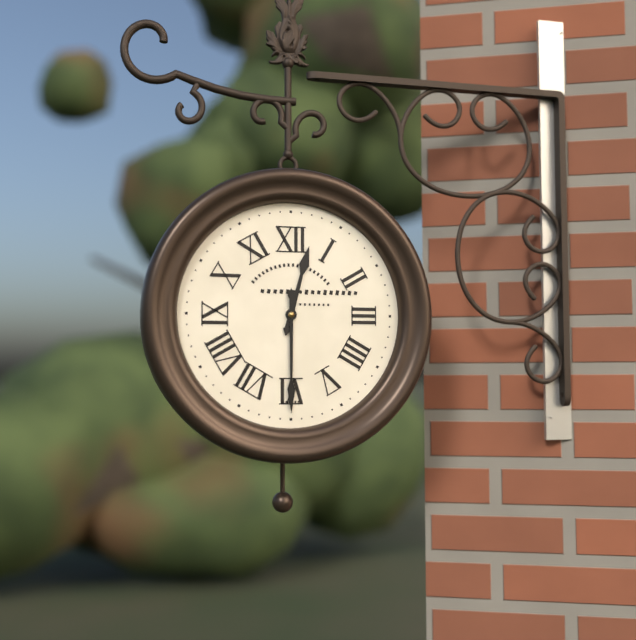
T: 12:30
